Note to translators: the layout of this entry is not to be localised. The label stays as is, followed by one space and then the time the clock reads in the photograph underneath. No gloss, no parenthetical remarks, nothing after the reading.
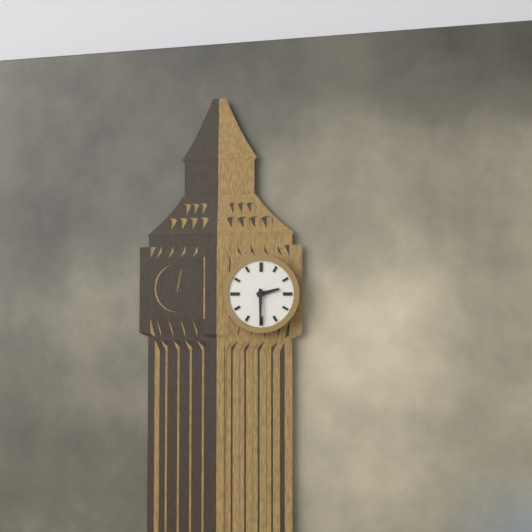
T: 2:30
